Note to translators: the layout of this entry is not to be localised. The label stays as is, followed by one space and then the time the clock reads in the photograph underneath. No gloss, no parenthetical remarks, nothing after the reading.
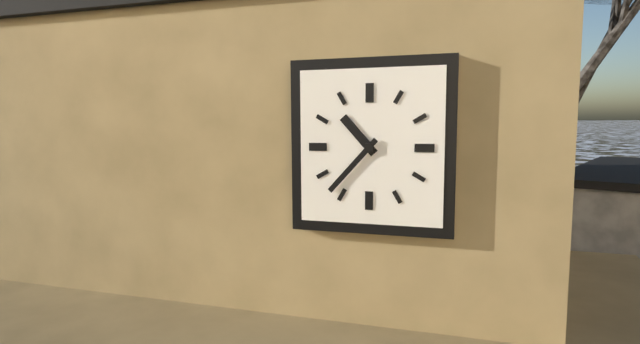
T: 10:37
